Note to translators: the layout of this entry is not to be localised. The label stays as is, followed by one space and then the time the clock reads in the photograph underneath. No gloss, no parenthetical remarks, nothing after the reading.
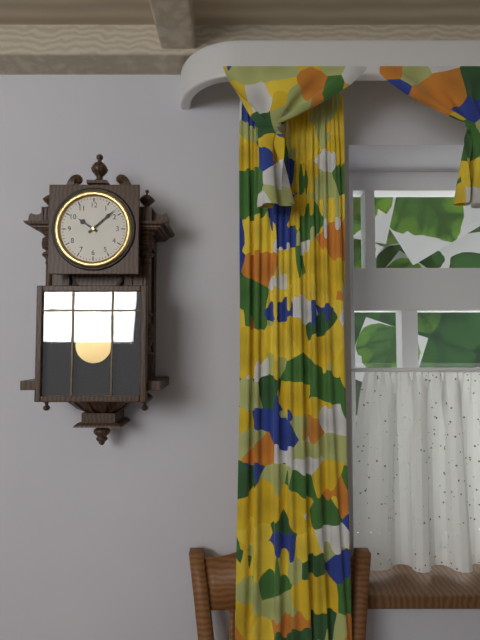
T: 10:08
